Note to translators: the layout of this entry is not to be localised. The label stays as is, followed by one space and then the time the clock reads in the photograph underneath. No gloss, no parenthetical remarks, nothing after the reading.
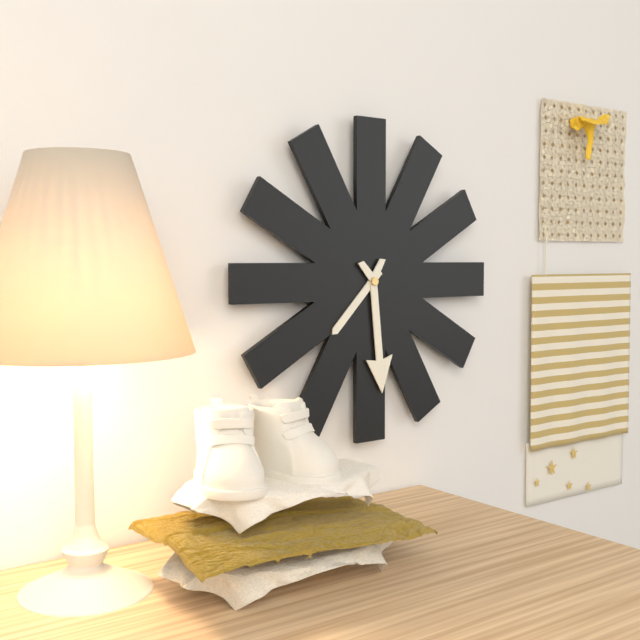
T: 7:29
